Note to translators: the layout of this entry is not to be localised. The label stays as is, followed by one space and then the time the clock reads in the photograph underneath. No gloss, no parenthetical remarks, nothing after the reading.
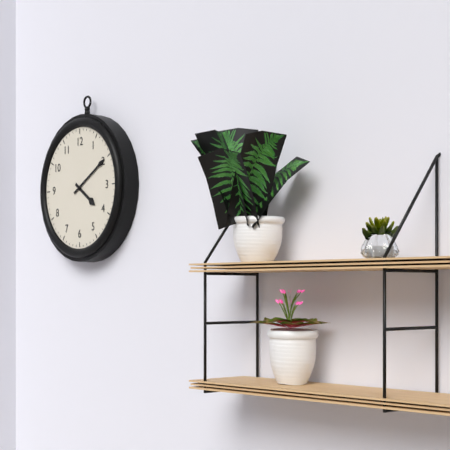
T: 4:10
